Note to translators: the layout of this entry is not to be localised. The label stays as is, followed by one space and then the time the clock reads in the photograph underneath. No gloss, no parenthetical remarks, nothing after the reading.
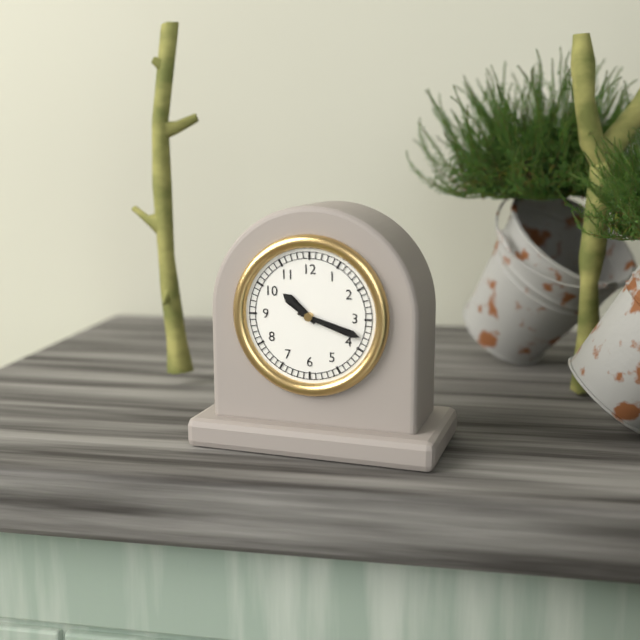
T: 10:18
